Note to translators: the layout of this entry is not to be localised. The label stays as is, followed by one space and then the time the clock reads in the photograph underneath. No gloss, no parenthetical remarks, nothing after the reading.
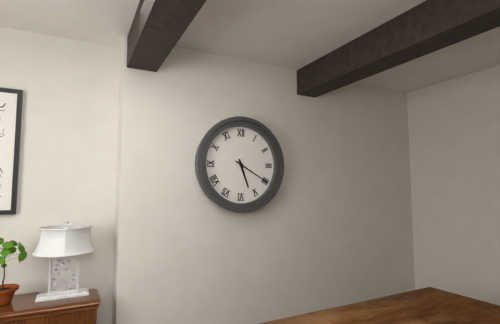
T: 5:20
